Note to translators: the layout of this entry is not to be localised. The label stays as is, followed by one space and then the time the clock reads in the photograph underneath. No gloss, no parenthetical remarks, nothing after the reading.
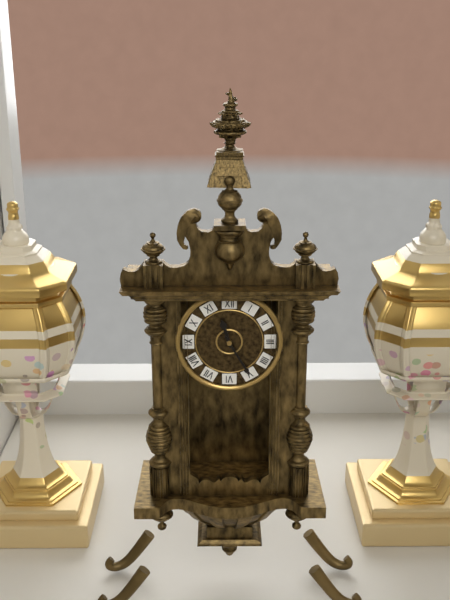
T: 11:25
